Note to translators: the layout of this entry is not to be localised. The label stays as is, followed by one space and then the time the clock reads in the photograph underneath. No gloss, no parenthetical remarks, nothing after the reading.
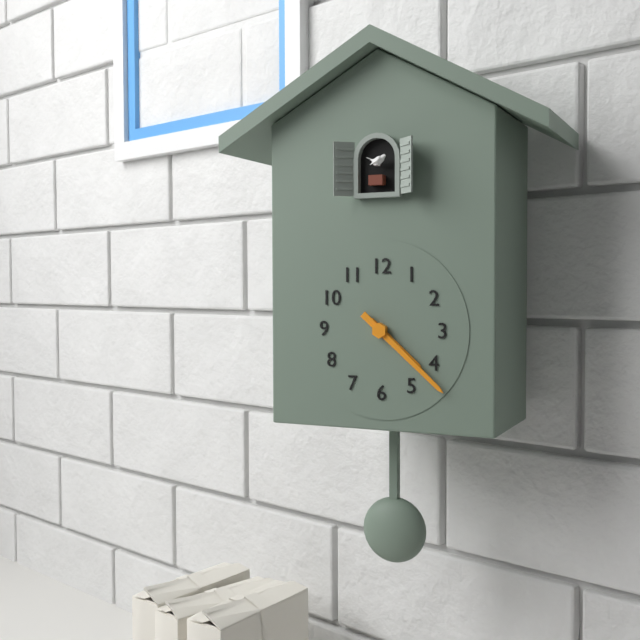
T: 4:22
